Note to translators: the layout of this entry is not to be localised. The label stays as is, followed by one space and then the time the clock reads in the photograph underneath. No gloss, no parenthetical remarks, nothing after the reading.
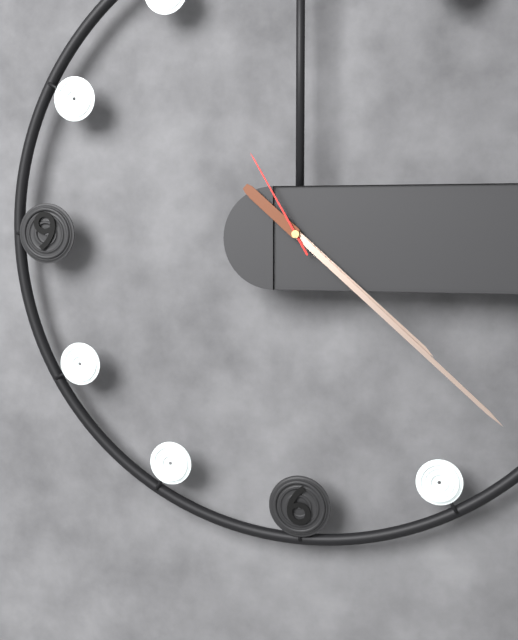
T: 4:22:55
